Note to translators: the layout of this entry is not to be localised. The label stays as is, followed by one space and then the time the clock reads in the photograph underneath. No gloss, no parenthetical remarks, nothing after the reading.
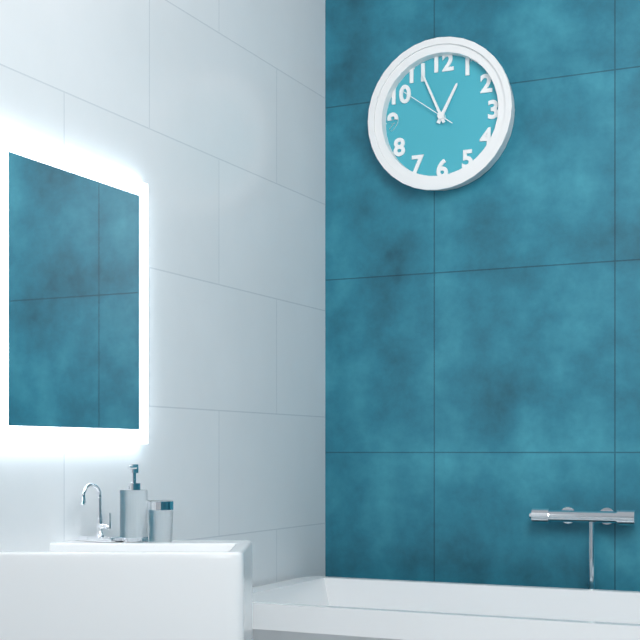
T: 12:56:51
